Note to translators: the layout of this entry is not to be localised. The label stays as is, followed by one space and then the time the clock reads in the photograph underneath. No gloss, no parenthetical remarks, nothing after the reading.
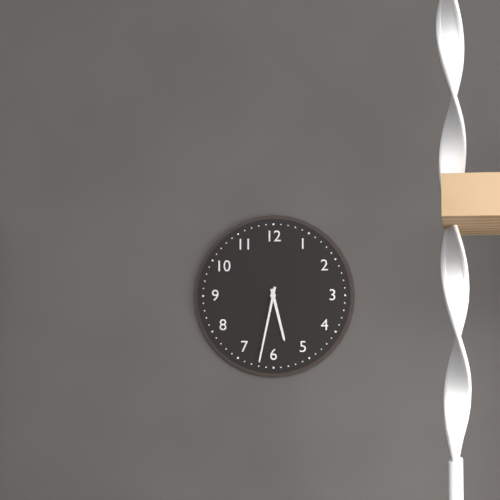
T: 5:32
